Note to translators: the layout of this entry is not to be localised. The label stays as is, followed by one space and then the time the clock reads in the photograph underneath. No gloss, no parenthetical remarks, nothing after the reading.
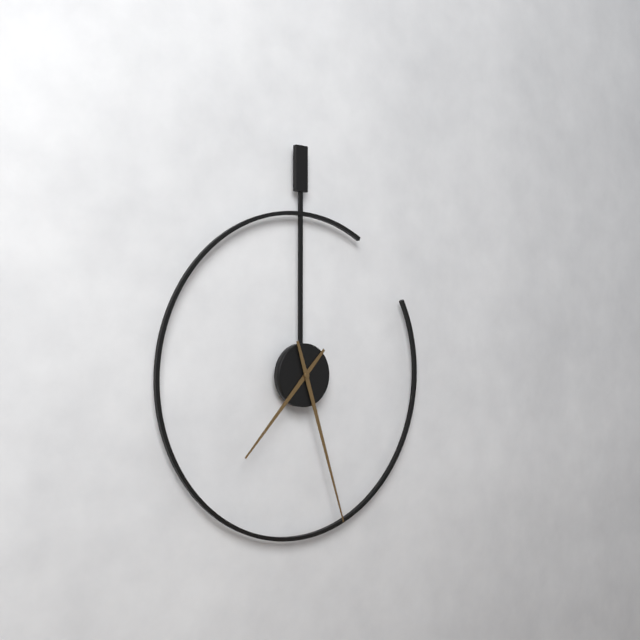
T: 7:27
